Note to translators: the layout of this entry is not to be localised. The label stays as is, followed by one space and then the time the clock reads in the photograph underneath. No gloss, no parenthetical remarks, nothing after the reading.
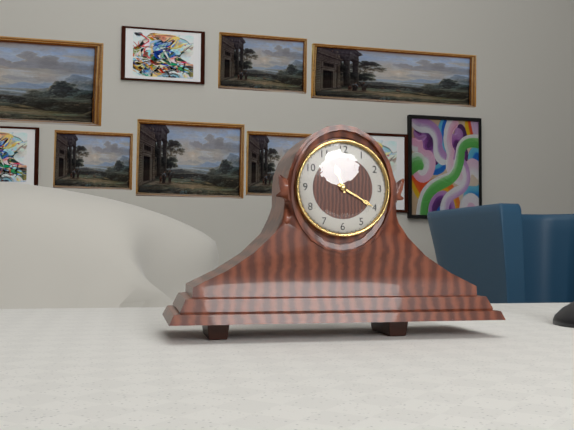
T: 11:20
